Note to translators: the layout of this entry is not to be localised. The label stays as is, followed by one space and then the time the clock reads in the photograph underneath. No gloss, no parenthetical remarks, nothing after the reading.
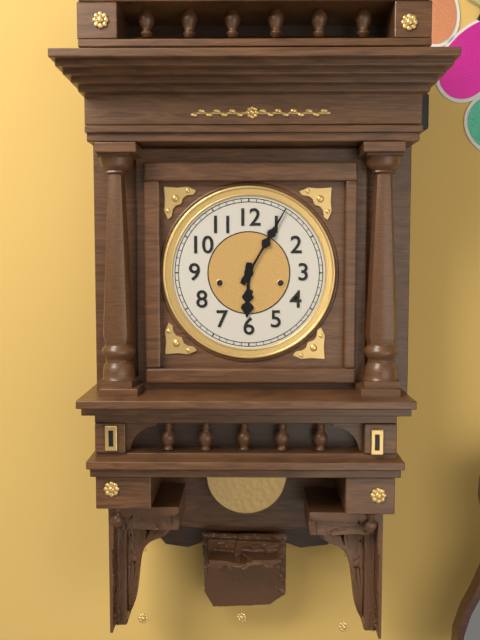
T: 6:05
